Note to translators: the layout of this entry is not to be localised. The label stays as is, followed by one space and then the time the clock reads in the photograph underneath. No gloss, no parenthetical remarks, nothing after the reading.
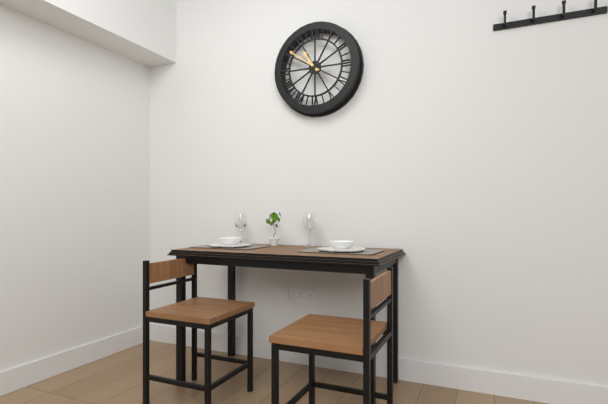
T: 10:51
